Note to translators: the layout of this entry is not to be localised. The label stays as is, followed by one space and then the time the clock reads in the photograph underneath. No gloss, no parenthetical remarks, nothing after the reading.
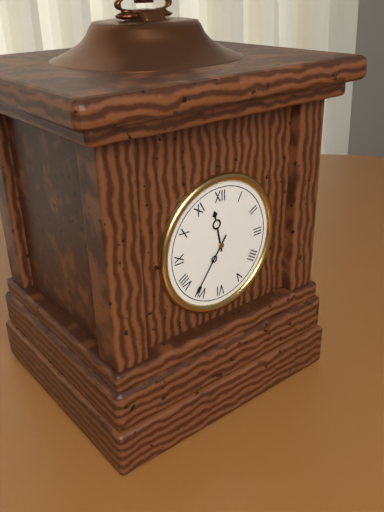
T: 11:36
